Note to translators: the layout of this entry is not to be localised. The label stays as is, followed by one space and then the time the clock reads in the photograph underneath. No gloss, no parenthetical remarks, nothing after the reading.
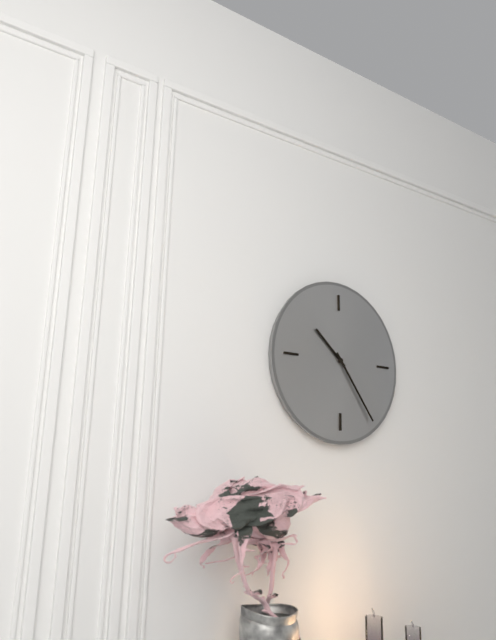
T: 10:24
